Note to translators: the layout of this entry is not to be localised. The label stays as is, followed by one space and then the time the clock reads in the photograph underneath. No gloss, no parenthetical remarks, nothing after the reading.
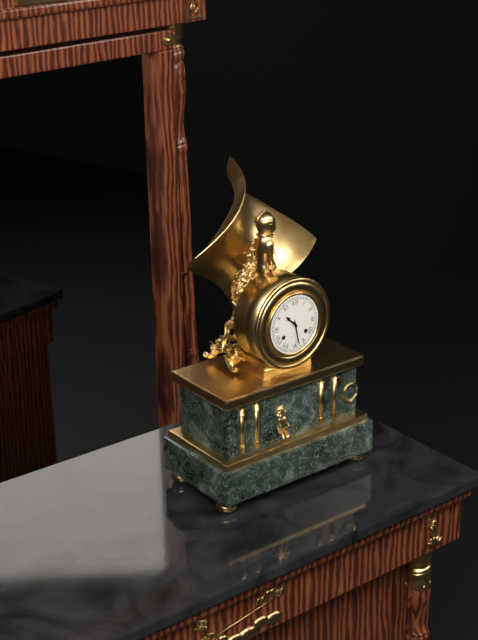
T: 10:28
